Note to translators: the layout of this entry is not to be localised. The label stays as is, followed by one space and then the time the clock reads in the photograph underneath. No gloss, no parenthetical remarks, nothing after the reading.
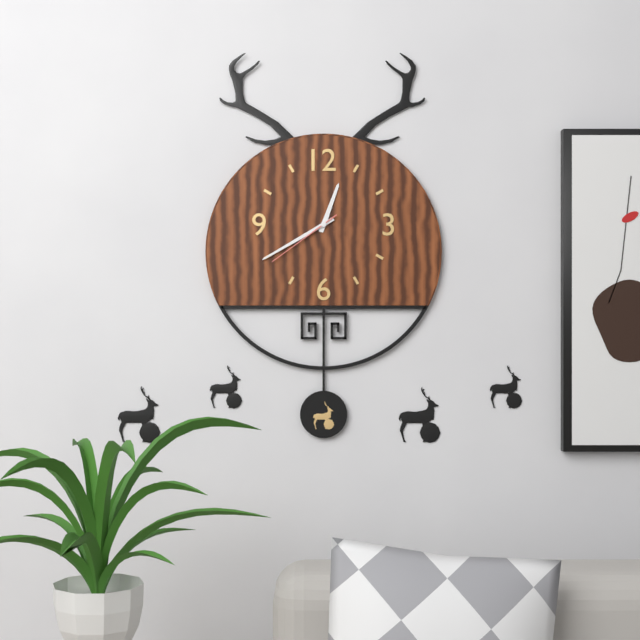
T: 12:40:39
